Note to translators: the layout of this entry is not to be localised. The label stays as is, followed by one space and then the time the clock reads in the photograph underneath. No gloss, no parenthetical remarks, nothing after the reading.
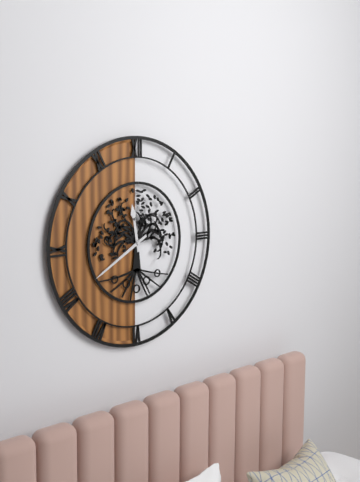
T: 11:40
